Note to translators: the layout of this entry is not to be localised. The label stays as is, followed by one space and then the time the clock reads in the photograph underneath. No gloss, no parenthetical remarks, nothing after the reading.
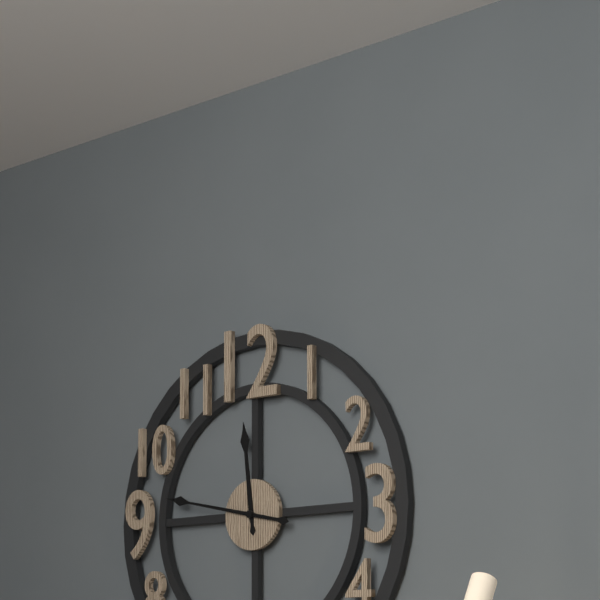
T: 11:47
